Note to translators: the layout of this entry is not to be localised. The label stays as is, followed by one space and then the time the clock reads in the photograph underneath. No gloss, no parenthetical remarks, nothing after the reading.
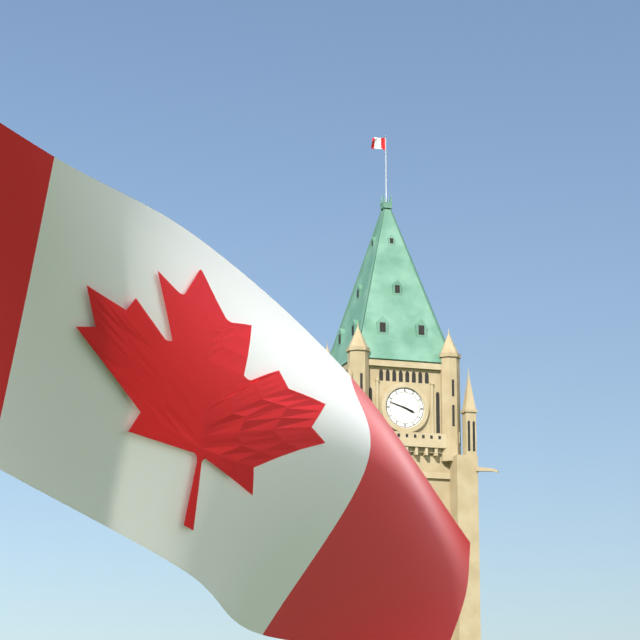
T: 3:48
